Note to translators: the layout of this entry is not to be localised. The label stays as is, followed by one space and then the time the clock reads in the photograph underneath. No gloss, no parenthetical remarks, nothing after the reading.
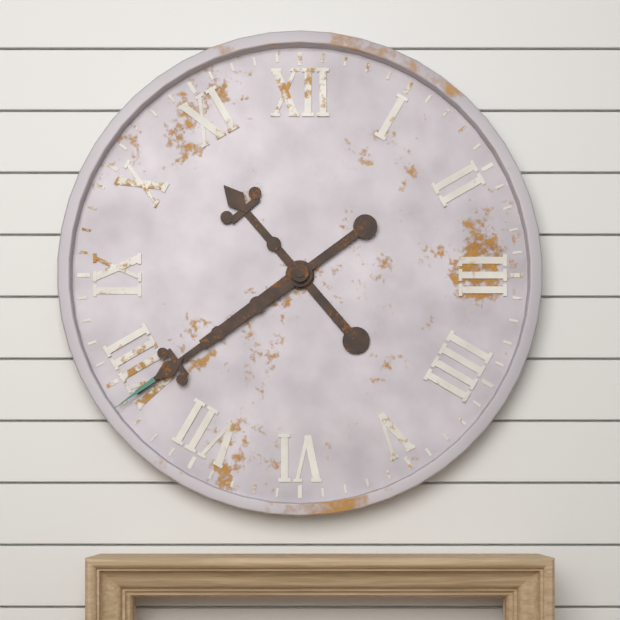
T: 10:39
